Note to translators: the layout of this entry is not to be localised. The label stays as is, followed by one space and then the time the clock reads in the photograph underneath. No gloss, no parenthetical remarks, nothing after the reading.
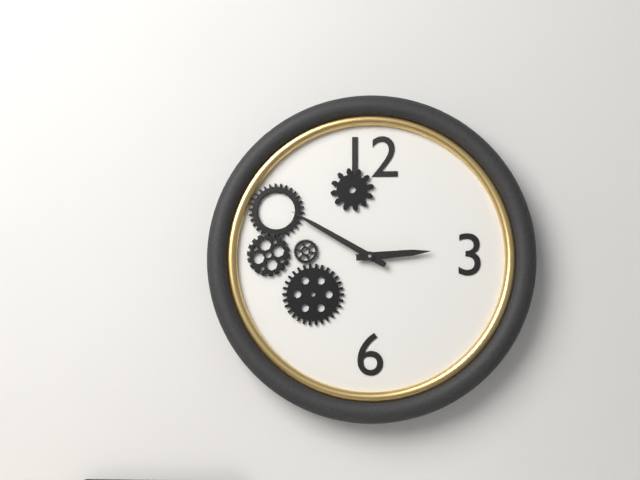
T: 2:50
